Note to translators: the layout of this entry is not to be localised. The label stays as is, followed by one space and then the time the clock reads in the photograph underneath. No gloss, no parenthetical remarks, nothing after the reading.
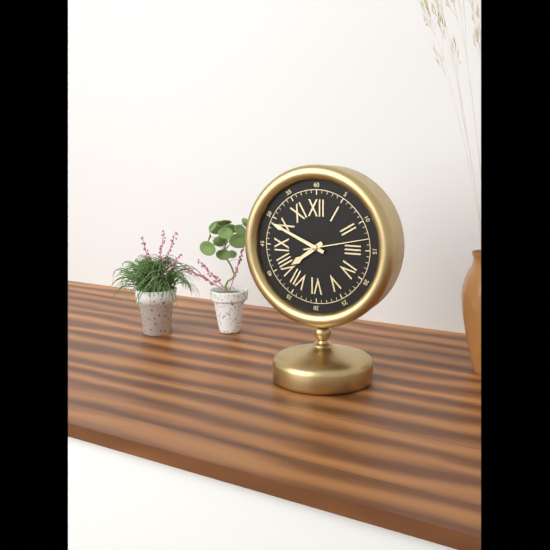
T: 7:49:13
